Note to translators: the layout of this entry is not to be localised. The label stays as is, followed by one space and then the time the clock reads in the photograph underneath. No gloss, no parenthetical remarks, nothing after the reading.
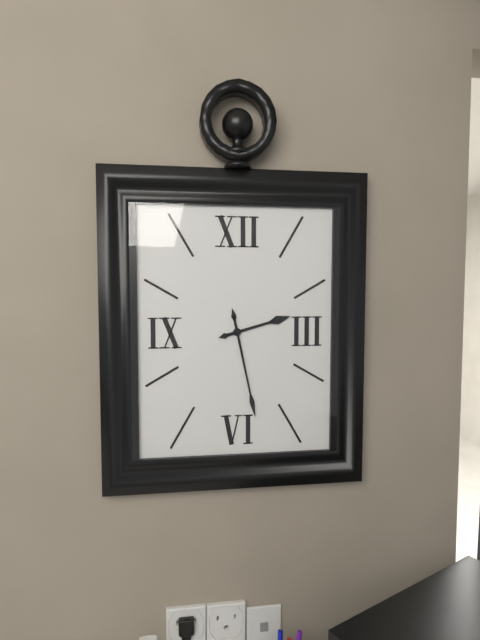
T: 2:28
